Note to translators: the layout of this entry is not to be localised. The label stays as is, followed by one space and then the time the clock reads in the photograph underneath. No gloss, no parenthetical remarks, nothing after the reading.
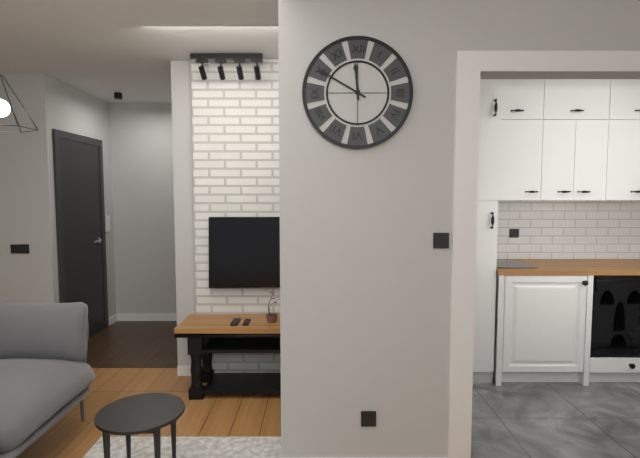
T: 11:50
